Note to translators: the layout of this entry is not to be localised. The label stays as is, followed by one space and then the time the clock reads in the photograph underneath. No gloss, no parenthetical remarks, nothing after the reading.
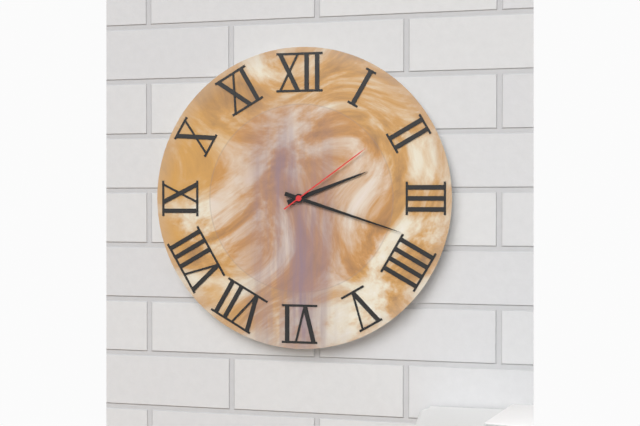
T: 2:18:09
